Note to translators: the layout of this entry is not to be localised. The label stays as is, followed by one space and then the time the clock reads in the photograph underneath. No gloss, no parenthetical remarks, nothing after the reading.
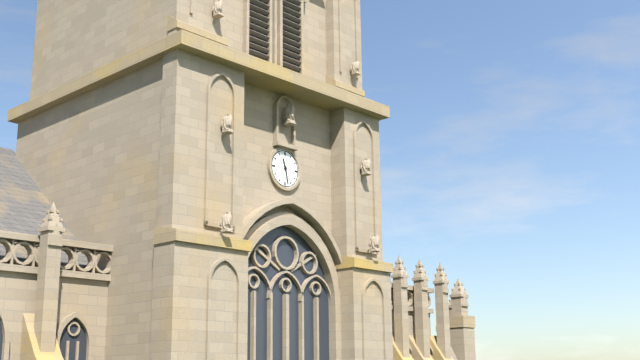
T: 11:28
